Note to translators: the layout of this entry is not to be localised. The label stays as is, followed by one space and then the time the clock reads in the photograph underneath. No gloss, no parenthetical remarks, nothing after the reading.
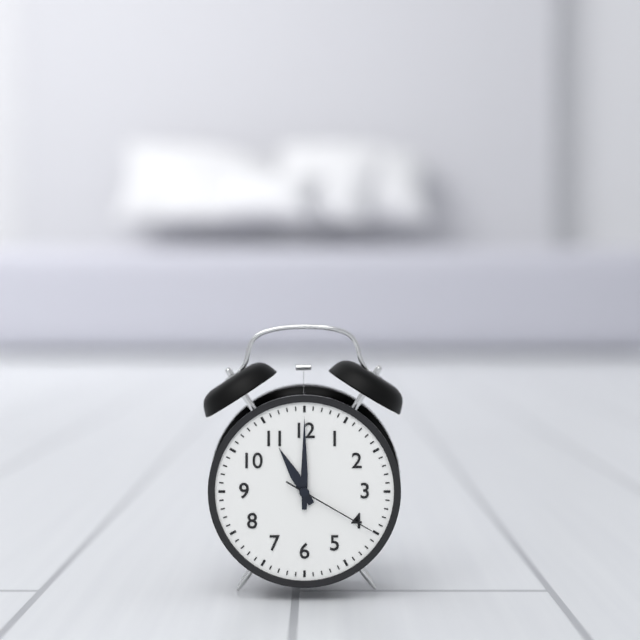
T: 11:00:20
